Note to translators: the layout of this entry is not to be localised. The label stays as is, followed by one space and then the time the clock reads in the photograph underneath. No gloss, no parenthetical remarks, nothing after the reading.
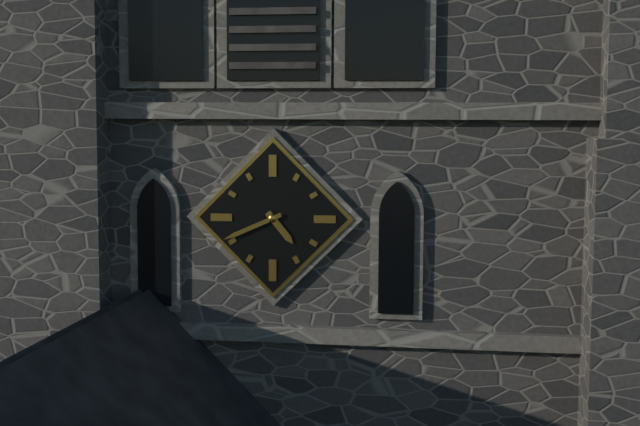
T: 4:41
